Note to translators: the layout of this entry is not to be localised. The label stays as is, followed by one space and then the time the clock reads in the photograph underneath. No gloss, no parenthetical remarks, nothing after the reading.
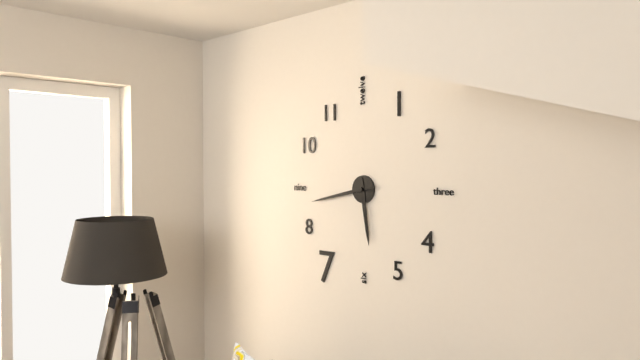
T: 5:43
